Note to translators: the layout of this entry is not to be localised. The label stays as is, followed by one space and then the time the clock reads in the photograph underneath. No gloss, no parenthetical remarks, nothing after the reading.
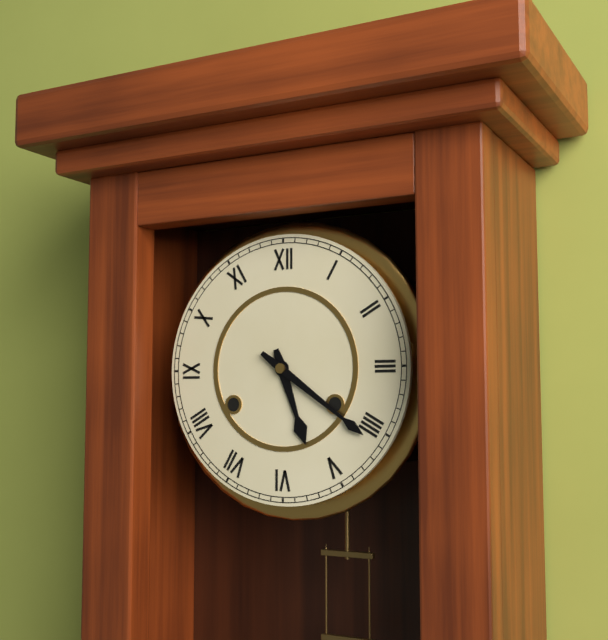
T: 5:21
